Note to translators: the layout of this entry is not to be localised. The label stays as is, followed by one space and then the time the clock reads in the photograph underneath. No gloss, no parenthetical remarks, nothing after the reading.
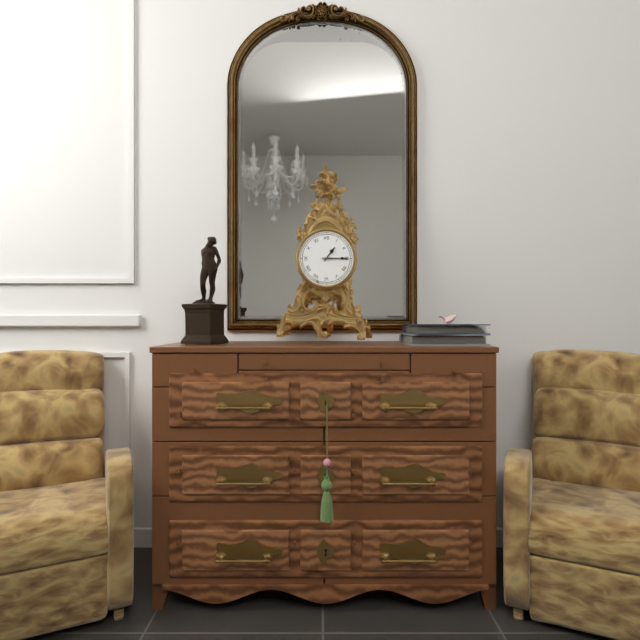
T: 1:15
